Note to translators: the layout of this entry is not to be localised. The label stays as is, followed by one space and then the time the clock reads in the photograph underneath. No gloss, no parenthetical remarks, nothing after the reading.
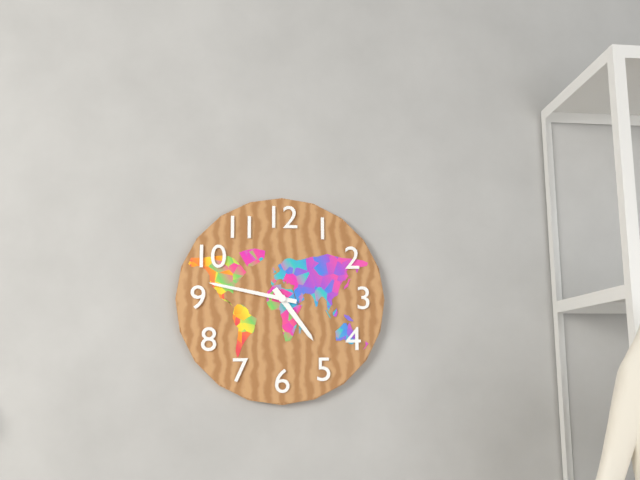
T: 4:47
